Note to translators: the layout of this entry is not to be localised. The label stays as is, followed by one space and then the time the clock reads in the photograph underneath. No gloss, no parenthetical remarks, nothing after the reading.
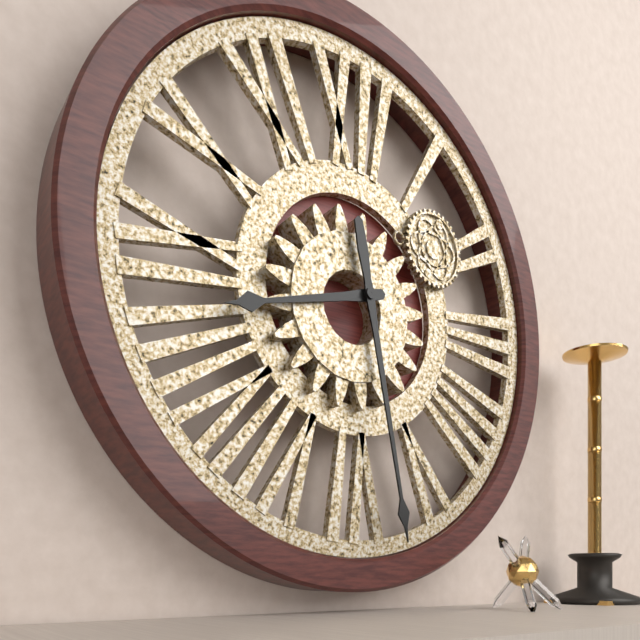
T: 8:28
